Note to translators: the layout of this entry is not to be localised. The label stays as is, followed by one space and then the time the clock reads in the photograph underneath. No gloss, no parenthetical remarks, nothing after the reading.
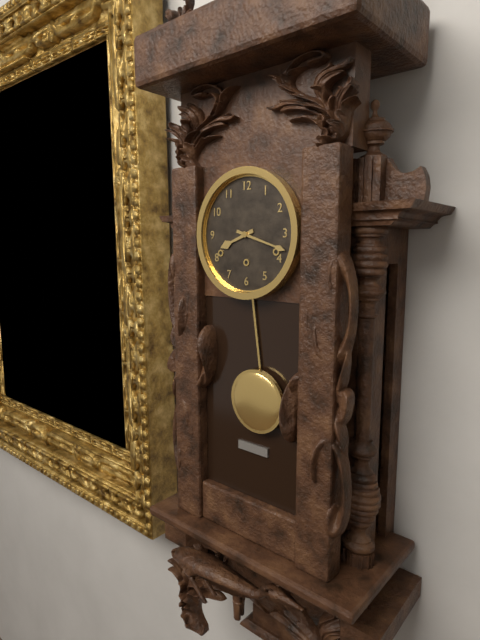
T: 8:18
